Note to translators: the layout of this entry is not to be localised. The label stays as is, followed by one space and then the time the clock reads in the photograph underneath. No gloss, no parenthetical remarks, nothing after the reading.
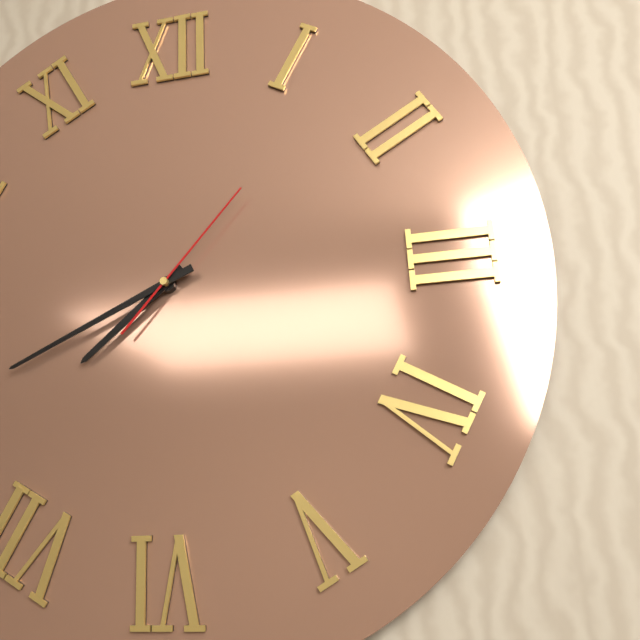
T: 7:41:07
